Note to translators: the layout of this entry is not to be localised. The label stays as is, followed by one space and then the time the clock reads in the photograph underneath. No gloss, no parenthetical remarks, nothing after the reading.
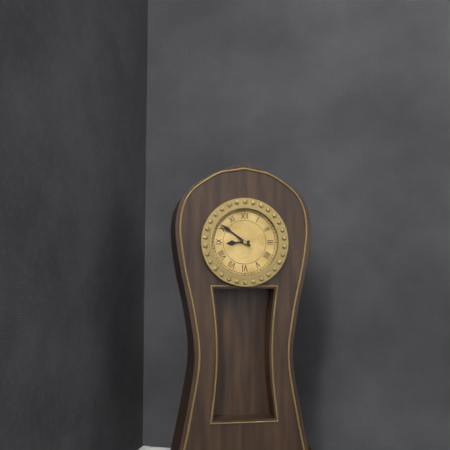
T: 8:51
